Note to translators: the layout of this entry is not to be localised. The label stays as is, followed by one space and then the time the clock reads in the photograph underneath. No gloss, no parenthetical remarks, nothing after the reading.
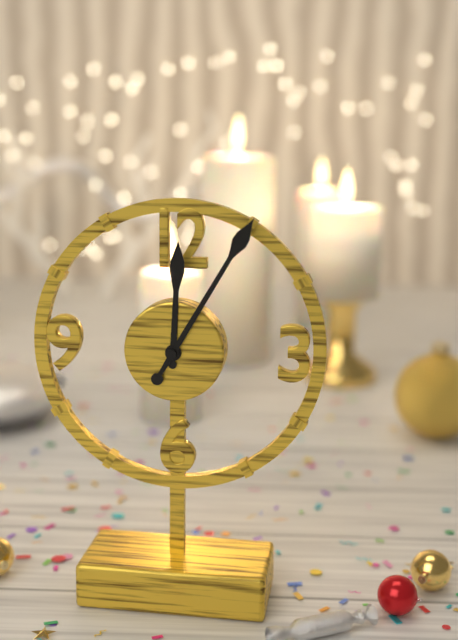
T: 12:05
